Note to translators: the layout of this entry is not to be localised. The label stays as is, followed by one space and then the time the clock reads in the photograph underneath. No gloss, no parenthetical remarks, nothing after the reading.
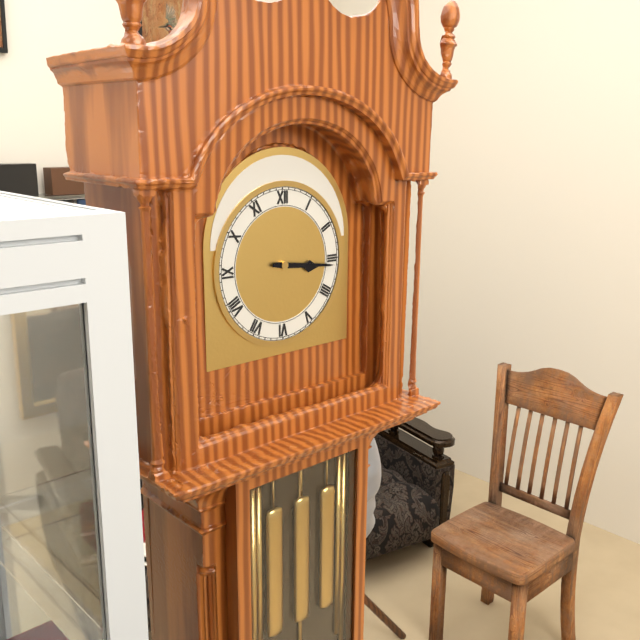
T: 3:16
